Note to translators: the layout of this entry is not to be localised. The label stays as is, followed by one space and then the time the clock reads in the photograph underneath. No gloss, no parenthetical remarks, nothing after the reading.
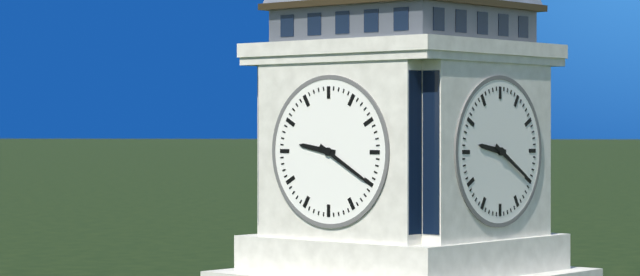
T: 9:20
